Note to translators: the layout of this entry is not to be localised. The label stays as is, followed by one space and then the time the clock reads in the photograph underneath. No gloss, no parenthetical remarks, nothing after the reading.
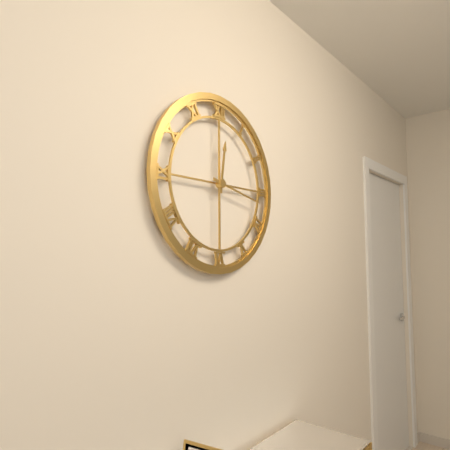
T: 12:17
